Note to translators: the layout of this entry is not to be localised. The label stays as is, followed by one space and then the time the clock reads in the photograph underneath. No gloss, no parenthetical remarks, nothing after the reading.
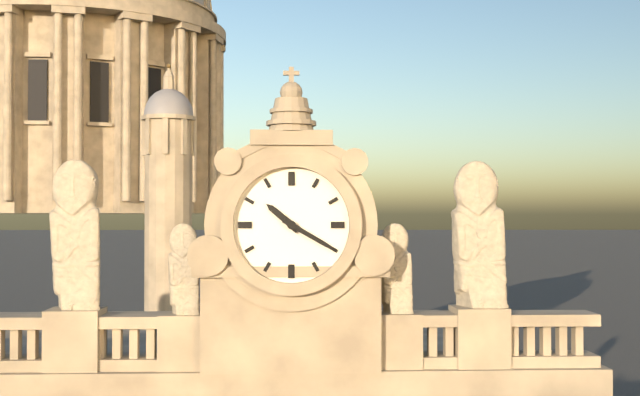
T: 10:20
